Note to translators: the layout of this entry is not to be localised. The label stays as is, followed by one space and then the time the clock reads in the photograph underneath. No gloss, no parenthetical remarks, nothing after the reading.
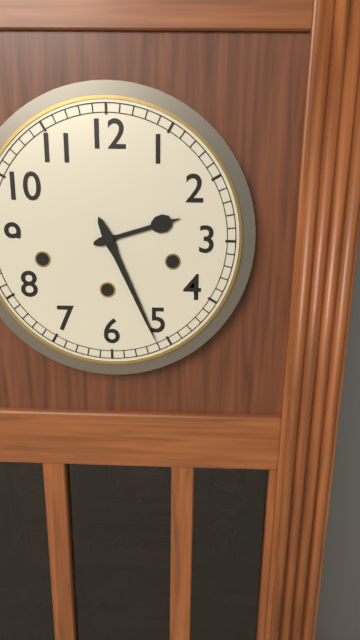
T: 2:26
